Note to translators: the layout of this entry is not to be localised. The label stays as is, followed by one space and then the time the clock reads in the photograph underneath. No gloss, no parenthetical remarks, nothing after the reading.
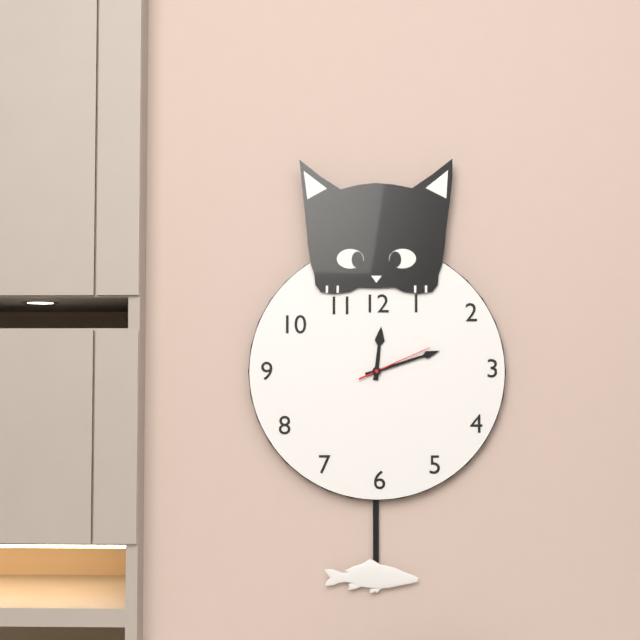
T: 12:12:11
